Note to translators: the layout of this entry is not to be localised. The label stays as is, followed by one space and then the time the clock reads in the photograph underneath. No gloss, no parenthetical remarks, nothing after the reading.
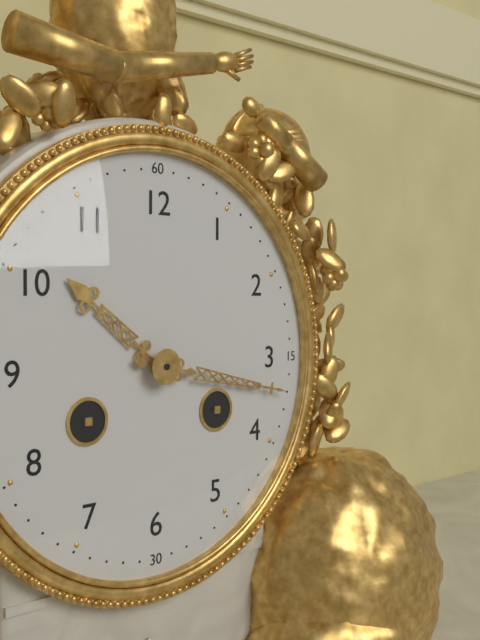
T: 10:17
